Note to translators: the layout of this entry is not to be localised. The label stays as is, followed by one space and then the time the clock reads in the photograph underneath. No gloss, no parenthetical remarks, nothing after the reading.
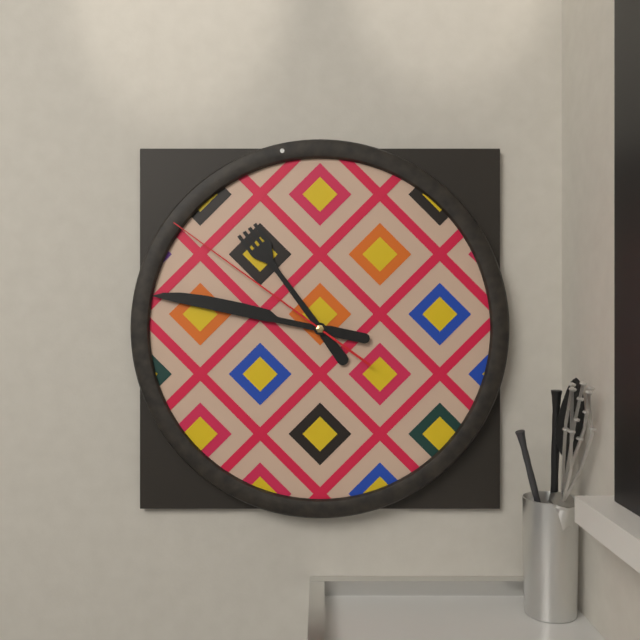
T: 10:47:51
